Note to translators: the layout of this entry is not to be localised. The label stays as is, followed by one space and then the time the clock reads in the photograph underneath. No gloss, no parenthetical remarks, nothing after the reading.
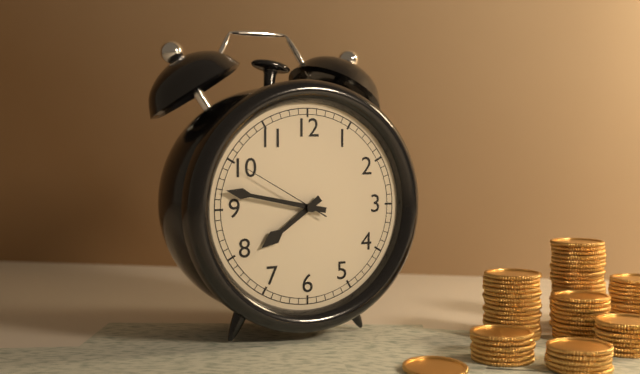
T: 7:47:50
